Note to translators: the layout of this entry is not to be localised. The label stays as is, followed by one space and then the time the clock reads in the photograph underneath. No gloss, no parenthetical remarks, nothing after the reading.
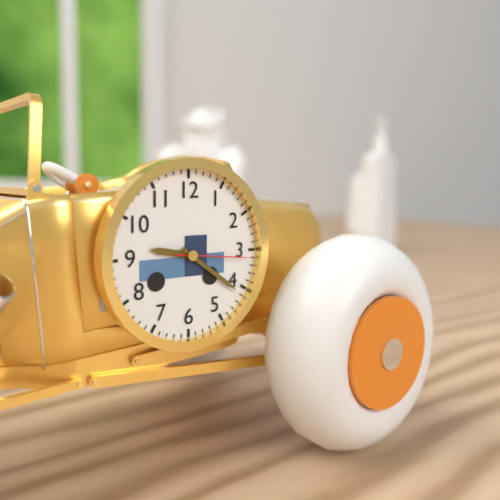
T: 9:21:16
